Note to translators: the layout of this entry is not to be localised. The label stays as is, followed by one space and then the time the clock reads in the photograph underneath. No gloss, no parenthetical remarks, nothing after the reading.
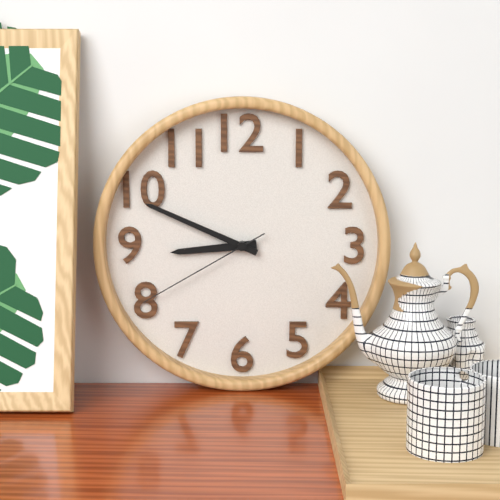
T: 8:49:40
